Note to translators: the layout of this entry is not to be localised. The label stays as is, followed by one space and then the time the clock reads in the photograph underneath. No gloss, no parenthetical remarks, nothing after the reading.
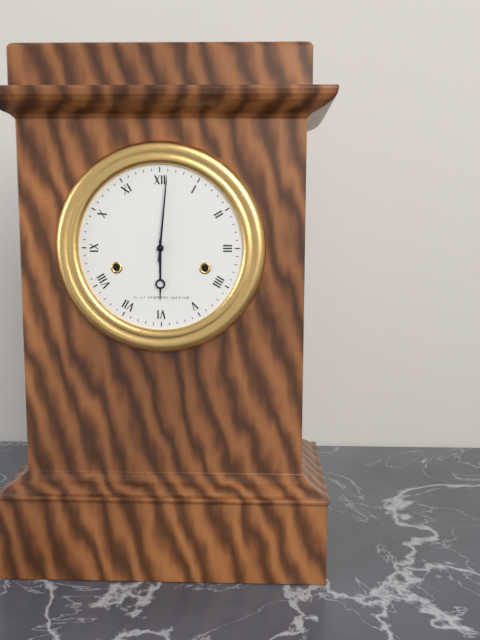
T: 6:01
